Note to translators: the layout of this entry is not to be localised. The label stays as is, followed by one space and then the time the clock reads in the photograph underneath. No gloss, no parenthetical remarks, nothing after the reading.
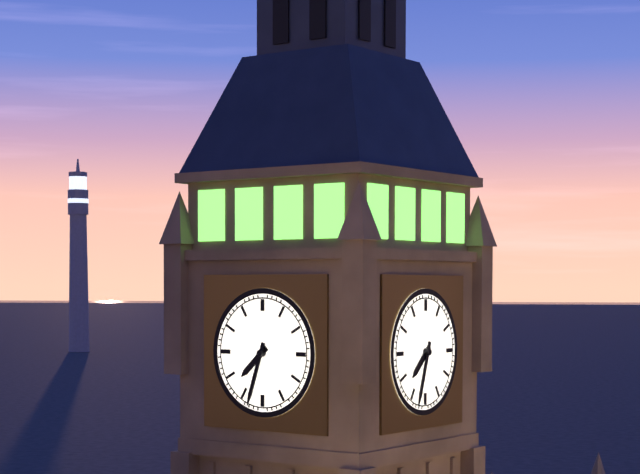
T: 7:33
